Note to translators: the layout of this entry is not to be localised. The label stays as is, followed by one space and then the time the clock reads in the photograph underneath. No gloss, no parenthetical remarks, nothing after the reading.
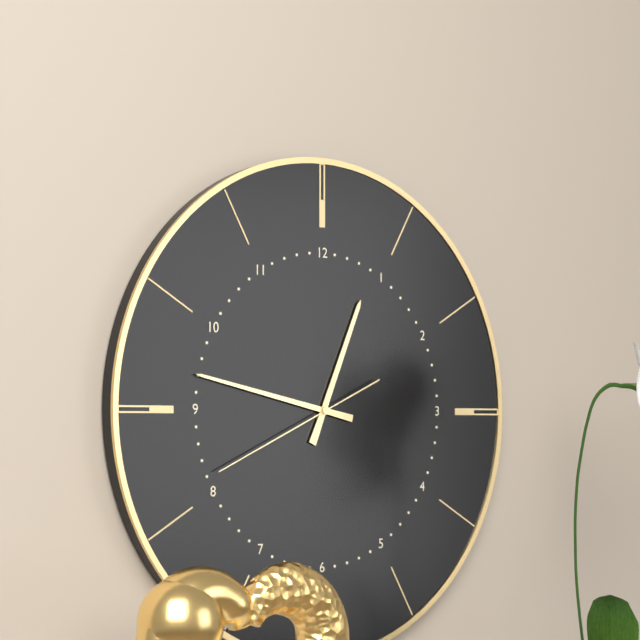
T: 12:47:41
